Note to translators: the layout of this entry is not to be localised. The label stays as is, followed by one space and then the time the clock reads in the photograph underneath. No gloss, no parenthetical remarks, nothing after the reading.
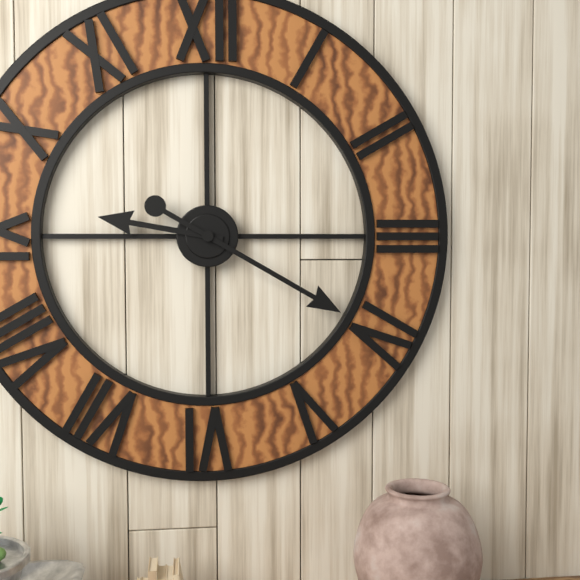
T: 9:20
